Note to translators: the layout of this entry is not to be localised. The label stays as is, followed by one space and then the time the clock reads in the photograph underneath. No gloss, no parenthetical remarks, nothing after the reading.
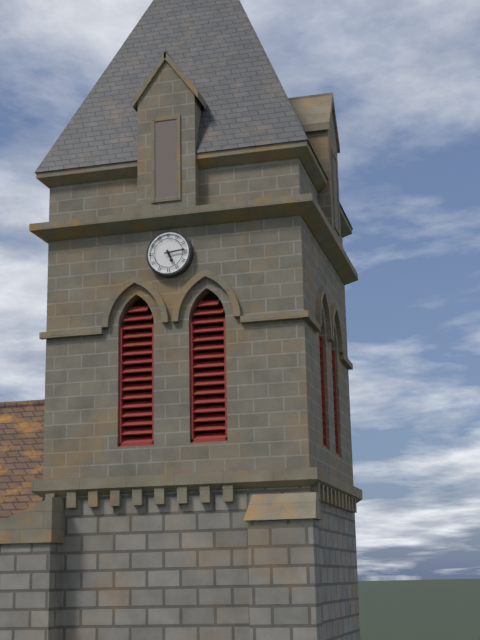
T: 5:14
